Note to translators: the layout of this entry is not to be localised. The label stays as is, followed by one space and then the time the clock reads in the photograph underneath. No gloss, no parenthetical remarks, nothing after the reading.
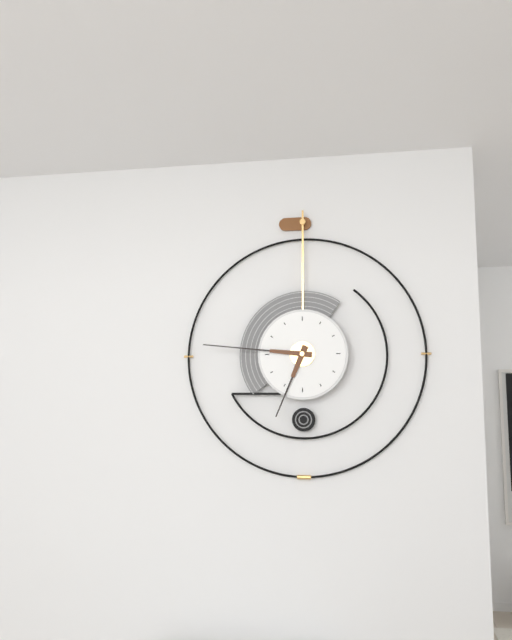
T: 6:46
